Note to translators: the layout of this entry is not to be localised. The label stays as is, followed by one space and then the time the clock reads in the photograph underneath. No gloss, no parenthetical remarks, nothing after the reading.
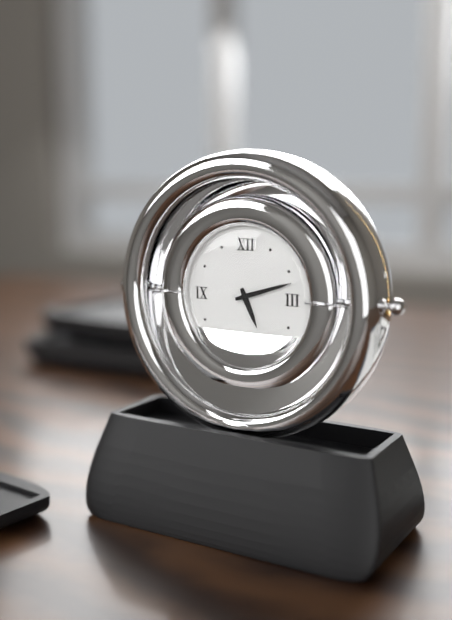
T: 5:12
